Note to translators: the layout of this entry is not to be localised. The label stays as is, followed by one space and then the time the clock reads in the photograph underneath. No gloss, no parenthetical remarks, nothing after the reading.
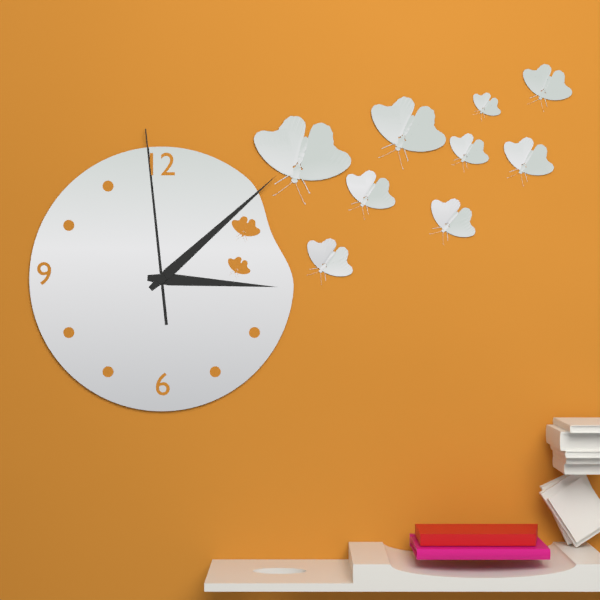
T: 3:08:59
